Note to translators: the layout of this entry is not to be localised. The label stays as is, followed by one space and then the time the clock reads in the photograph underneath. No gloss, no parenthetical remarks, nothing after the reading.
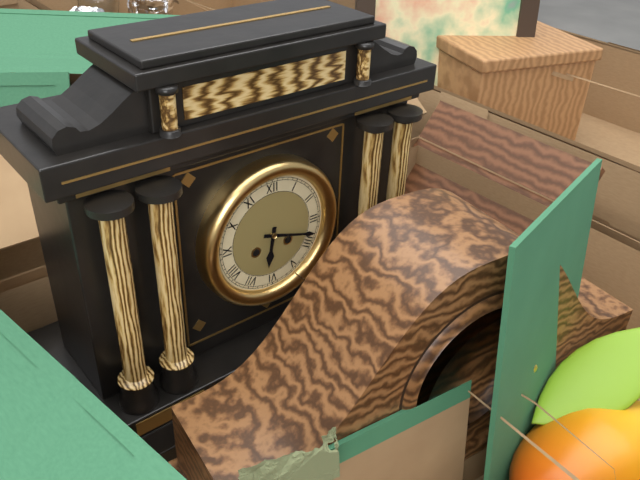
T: 6:18
